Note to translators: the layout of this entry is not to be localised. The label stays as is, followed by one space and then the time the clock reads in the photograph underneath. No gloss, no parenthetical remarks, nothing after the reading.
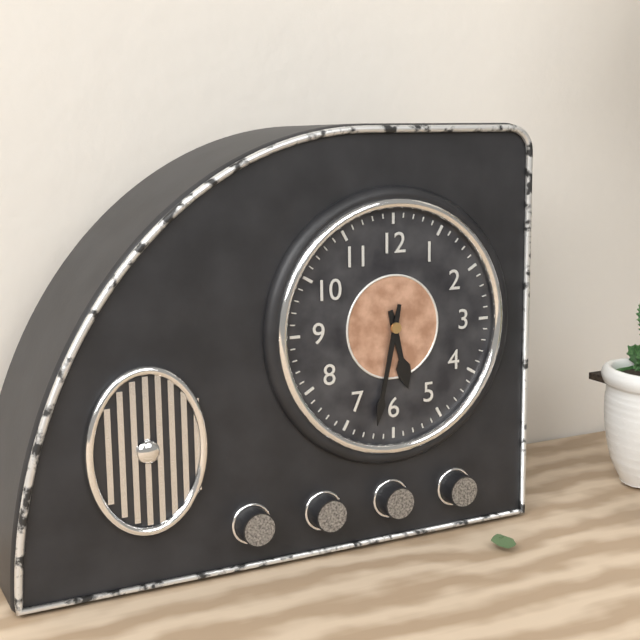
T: 5:32
